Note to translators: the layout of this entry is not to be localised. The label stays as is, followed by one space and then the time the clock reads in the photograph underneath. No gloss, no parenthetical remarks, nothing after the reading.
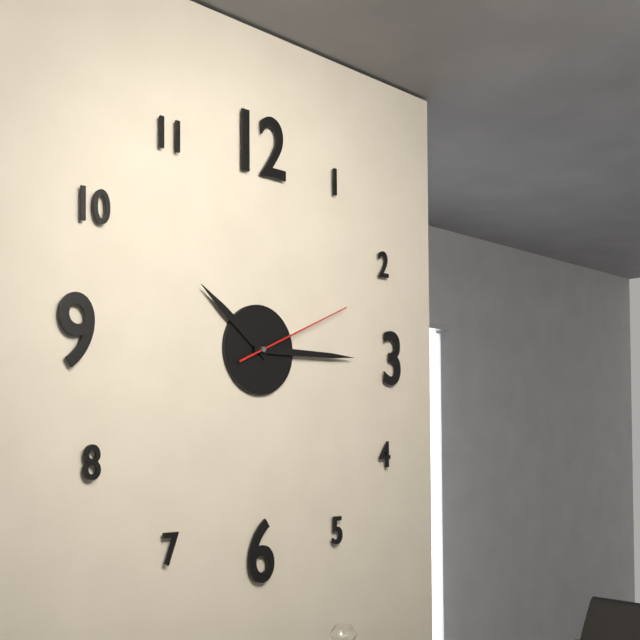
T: 10:15:11
